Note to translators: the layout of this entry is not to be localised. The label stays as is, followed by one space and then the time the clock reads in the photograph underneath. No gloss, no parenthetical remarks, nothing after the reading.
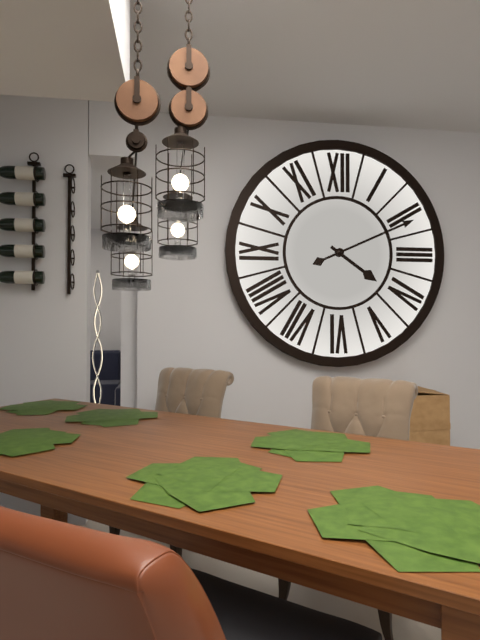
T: 4:11
